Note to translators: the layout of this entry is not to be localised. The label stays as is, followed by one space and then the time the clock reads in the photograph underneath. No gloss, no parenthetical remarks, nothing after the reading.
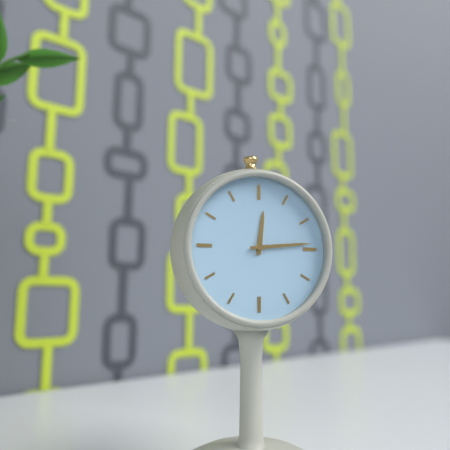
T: 12:14
